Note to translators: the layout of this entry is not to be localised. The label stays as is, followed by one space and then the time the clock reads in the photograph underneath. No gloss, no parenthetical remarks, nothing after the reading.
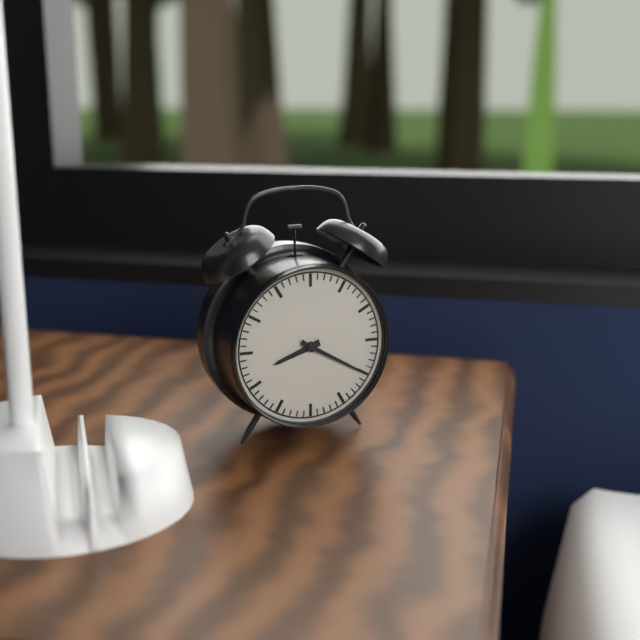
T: 8:20
